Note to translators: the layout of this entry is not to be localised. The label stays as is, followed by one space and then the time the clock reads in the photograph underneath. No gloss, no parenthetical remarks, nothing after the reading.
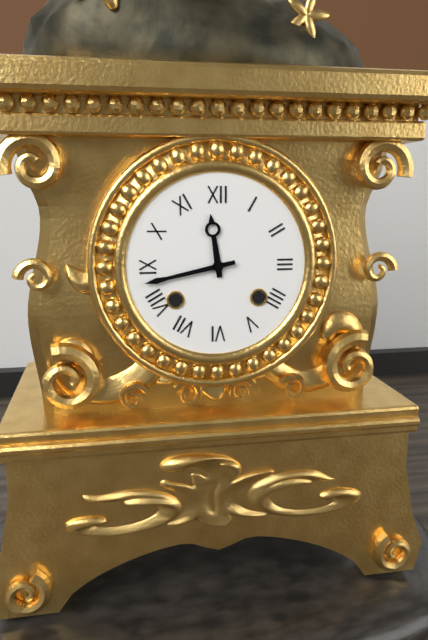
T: 11:43
